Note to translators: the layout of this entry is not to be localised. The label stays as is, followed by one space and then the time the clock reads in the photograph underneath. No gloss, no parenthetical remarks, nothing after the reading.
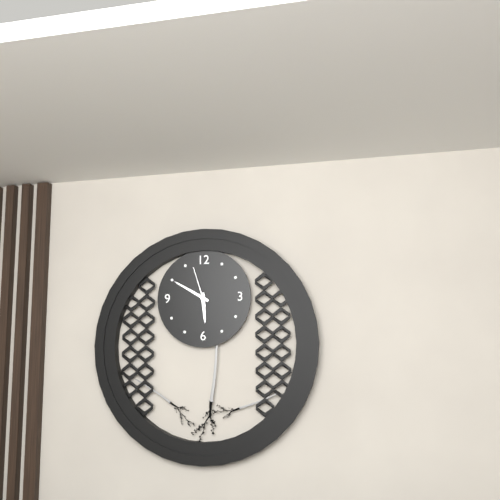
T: 5:50
